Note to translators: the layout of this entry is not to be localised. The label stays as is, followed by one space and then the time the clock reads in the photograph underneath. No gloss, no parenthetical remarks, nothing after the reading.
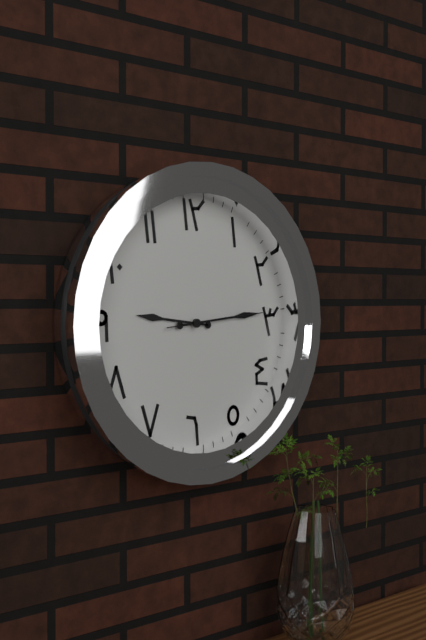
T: 9:14:14
